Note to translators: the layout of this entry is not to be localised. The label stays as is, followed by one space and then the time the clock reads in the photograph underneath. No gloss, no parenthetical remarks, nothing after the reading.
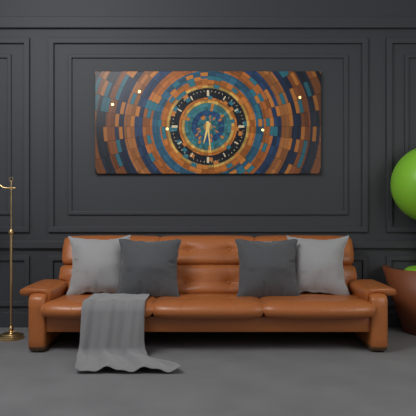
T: 6:29
